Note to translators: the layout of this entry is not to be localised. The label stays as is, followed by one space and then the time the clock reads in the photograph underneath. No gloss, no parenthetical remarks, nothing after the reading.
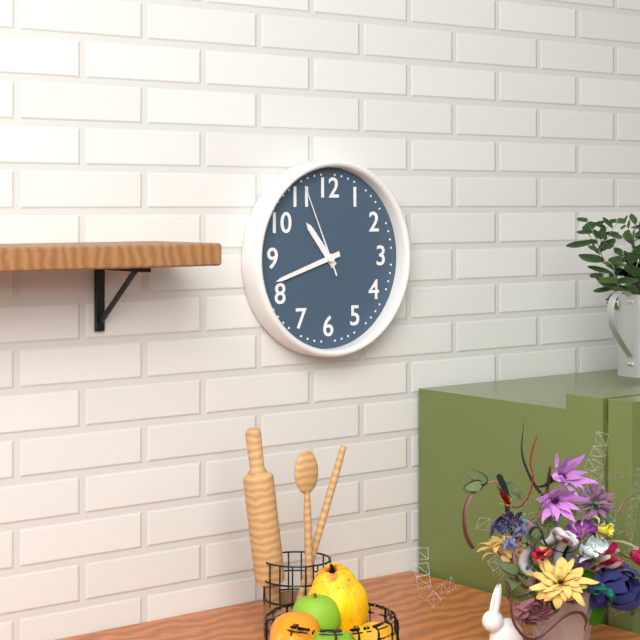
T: 10:42:56
